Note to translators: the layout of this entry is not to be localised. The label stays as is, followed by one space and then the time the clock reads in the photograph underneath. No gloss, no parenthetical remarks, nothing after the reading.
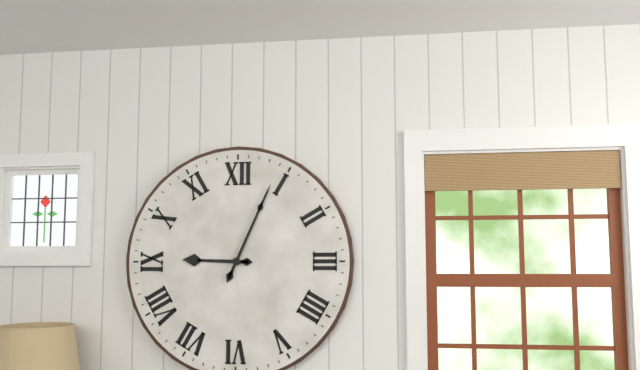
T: 9:04
